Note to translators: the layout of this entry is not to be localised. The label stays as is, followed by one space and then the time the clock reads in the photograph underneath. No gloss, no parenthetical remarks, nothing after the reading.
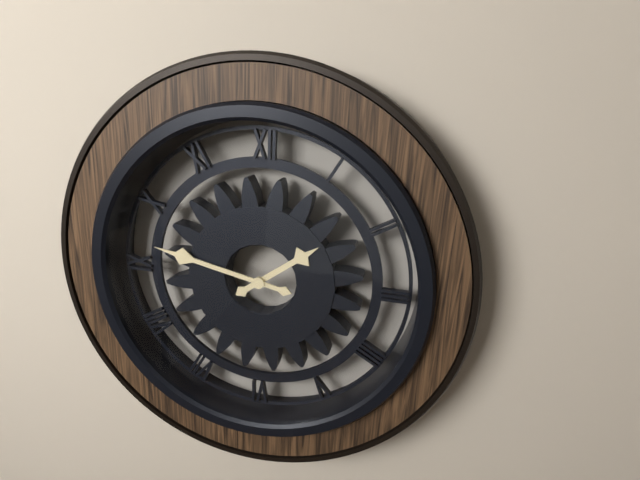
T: 1:47
